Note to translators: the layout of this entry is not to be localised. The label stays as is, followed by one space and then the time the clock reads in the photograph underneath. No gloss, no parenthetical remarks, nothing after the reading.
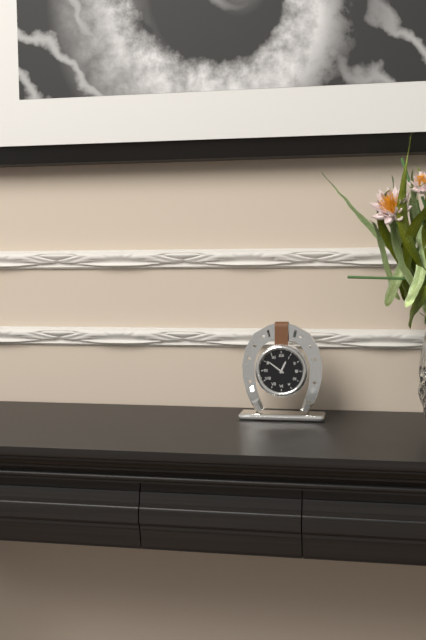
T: 12:51
